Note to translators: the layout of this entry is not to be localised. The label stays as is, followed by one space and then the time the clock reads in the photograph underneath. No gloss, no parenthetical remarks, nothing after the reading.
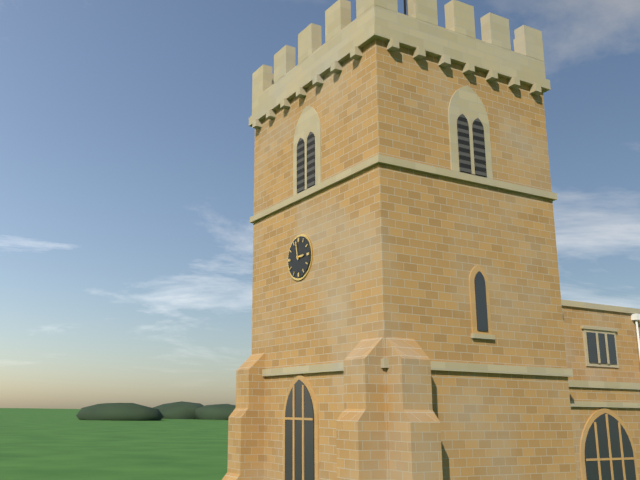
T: 2:58
